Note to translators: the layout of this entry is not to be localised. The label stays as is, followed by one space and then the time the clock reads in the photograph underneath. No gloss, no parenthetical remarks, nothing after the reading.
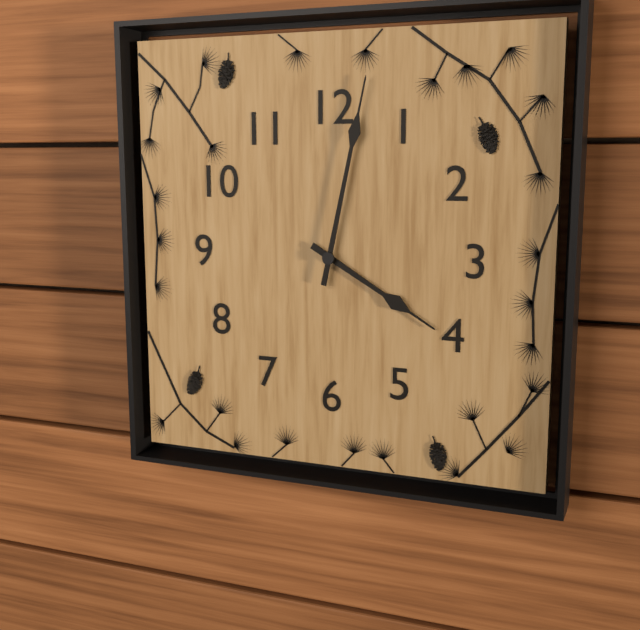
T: 4:02
